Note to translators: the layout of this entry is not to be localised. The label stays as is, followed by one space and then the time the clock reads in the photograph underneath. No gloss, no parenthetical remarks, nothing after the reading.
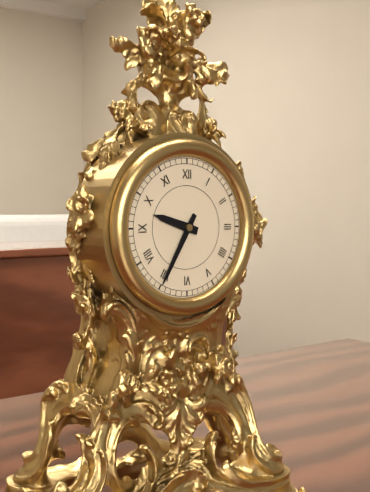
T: 9:35
